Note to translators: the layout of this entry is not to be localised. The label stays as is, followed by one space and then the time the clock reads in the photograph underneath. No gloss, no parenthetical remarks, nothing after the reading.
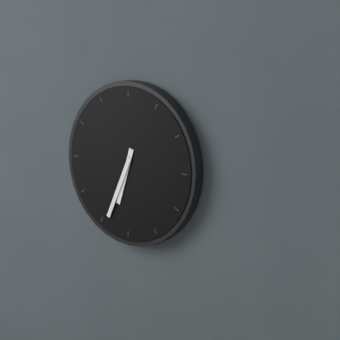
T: 6:34
